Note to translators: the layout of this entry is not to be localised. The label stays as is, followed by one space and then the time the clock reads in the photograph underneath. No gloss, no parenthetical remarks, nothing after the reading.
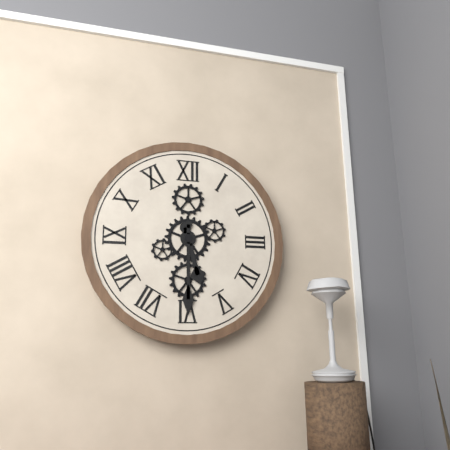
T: 5:30
